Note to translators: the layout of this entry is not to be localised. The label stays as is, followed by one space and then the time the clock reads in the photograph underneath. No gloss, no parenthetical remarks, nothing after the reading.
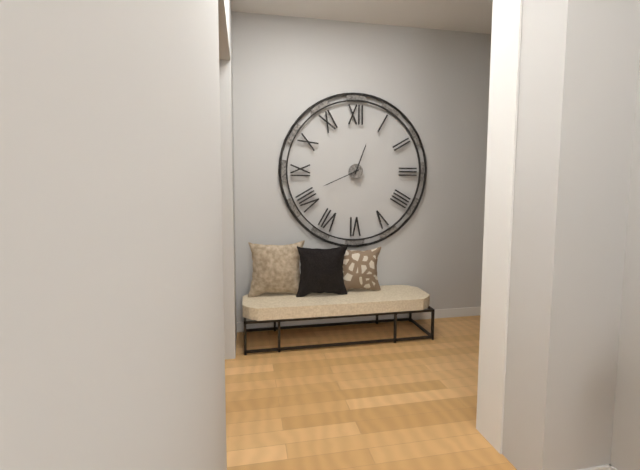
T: 12:41
